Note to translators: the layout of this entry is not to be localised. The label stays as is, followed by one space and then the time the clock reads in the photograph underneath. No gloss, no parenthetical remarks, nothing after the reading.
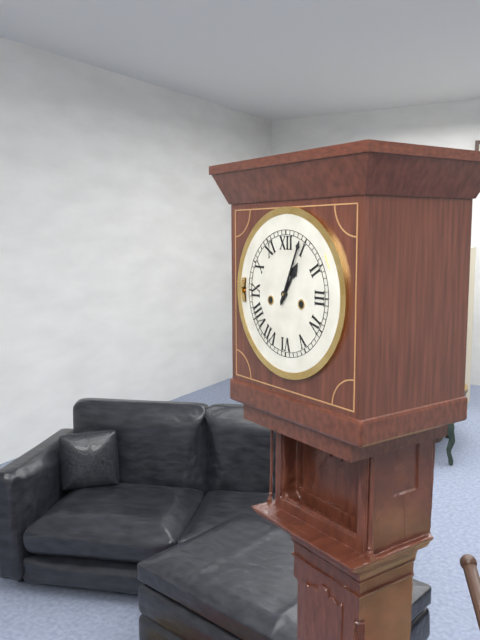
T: 1:04
